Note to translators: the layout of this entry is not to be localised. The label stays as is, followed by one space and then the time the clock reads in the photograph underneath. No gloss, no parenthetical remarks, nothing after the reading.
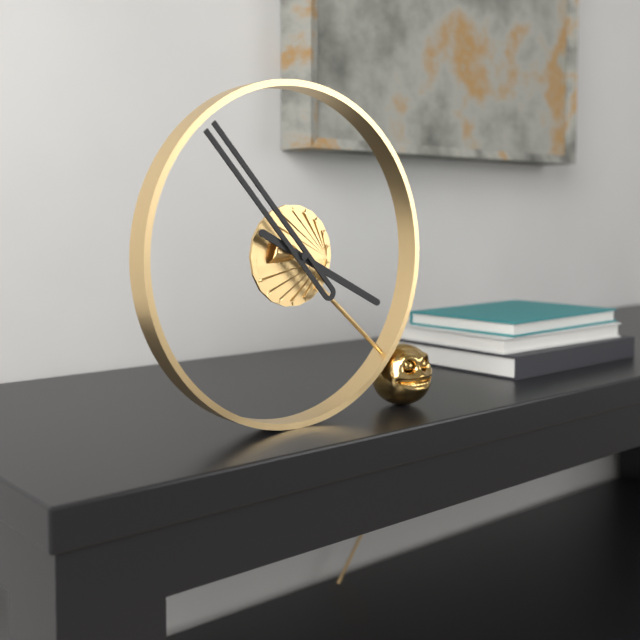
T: 3:53
